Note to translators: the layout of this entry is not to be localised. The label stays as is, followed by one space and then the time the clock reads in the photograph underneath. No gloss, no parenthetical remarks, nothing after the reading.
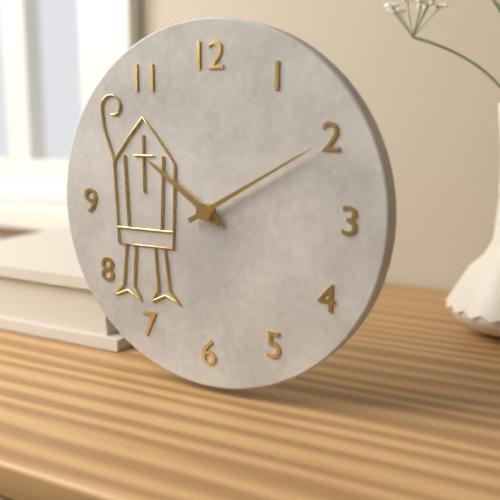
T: 10:10
